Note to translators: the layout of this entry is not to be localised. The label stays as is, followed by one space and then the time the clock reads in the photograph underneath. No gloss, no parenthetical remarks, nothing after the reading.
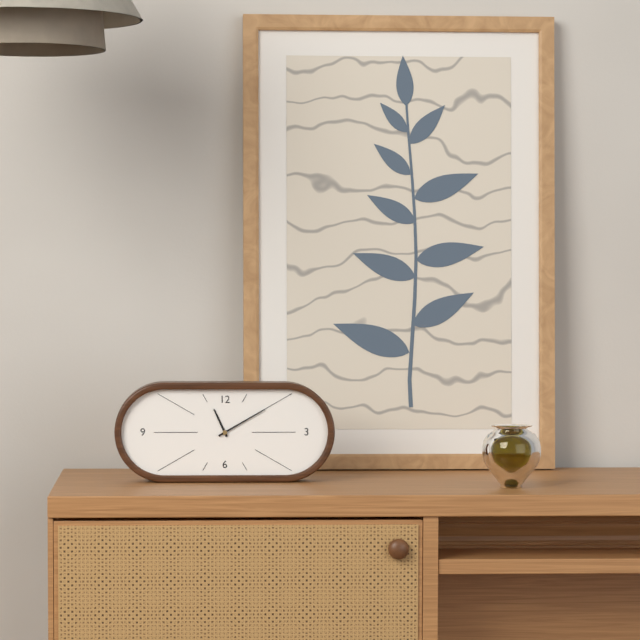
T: 11:10
